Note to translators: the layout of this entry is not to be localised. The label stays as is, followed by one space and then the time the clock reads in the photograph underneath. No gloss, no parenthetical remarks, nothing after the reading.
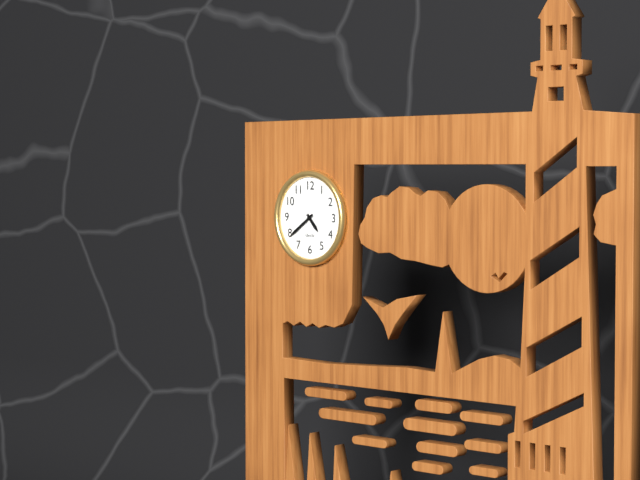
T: 4:39
